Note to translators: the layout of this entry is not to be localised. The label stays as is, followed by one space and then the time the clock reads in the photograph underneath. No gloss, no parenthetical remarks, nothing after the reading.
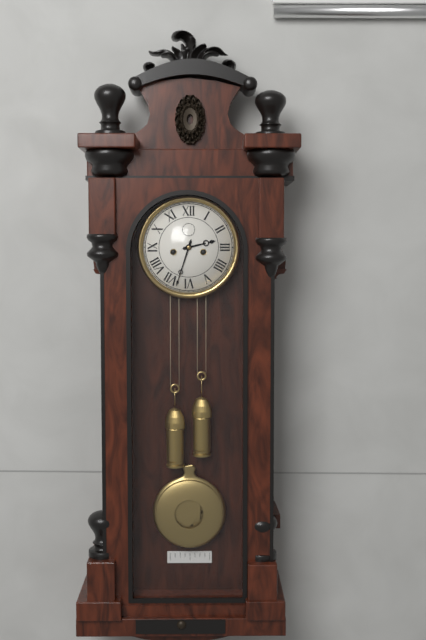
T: 2:33
